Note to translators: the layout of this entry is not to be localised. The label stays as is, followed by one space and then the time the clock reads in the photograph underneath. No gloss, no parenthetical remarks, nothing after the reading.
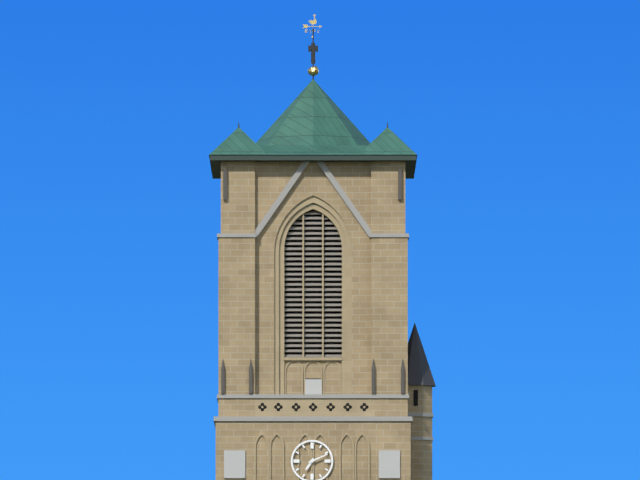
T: 7:11
